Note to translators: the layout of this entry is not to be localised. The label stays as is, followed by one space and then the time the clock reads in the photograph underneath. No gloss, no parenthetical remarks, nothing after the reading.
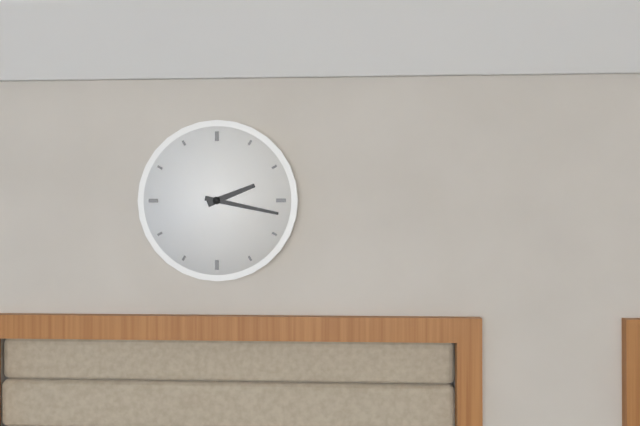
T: 2:17
